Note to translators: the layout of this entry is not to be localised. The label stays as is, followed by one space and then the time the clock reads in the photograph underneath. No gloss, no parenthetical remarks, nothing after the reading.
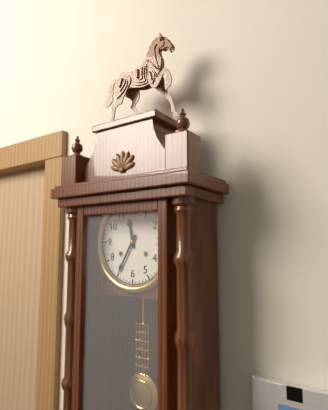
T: 11:35
